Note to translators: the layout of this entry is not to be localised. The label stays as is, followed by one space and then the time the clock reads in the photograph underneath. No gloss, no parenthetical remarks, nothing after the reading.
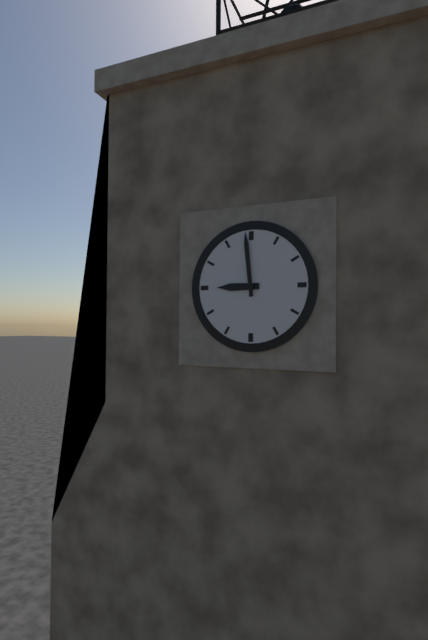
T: 8:59
